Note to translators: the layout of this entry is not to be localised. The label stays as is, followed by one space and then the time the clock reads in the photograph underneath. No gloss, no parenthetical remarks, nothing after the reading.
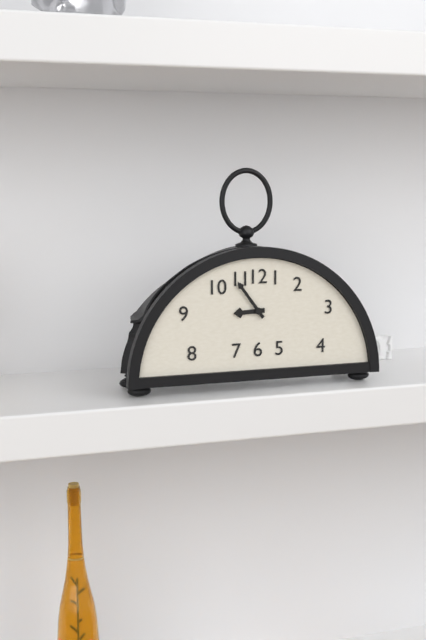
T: 8:54
